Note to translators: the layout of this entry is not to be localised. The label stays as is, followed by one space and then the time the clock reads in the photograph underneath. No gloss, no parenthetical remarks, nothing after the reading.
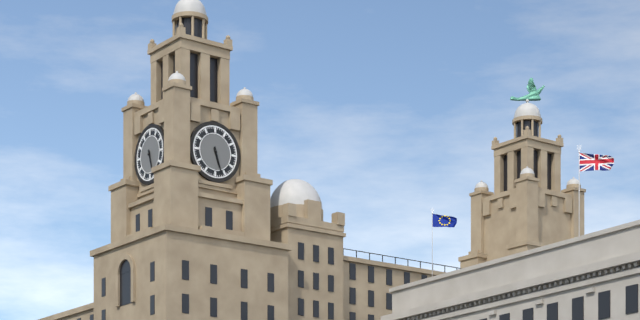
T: 5:27
